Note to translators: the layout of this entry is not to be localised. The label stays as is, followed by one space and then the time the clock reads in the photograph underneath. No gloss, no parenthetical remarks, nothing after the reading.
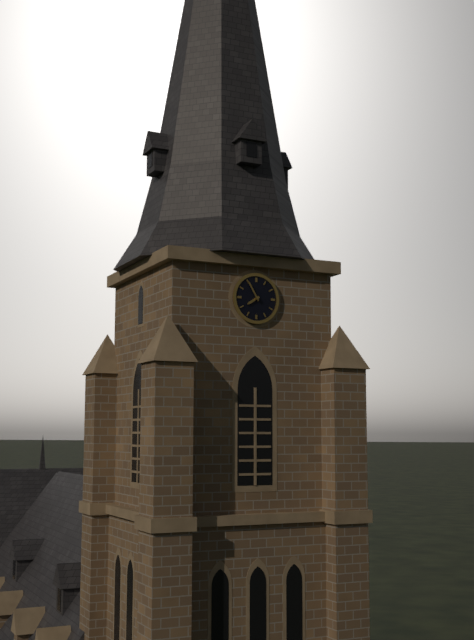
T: 7:55
